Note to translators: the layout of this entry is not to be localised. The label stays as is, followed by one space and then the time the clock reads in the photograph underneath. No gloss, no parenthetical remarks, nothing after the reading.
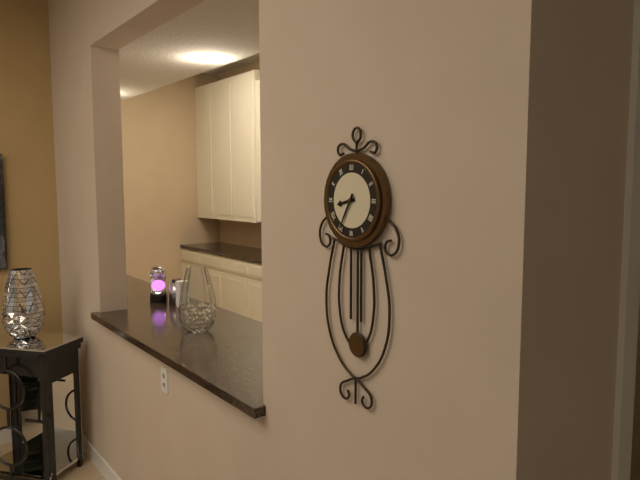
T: 8:35
